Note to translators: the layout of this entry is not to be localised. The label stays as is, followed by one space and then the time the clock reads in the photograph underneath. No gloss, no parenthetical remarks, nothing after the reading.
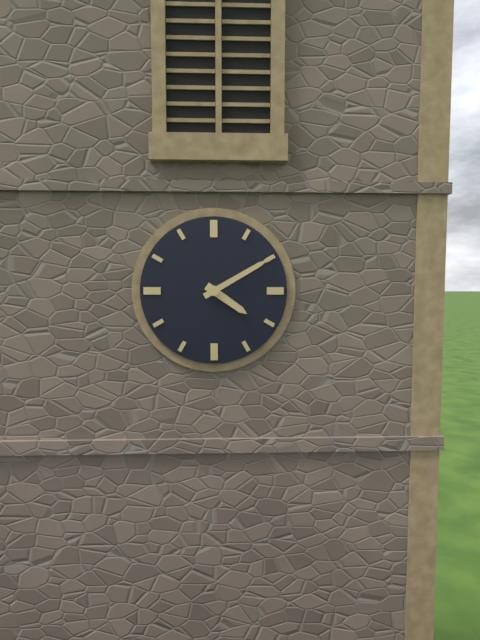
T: 4:10
